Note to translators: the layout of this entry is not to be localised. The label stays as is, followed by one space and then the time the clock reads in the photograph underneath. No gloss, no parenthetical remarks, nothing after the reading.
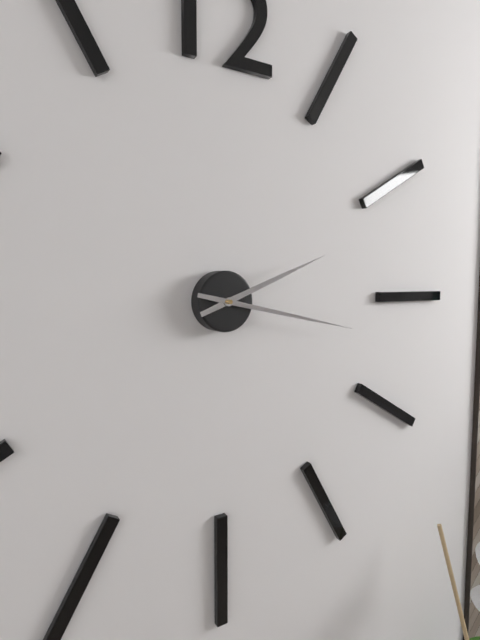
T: 2:17
